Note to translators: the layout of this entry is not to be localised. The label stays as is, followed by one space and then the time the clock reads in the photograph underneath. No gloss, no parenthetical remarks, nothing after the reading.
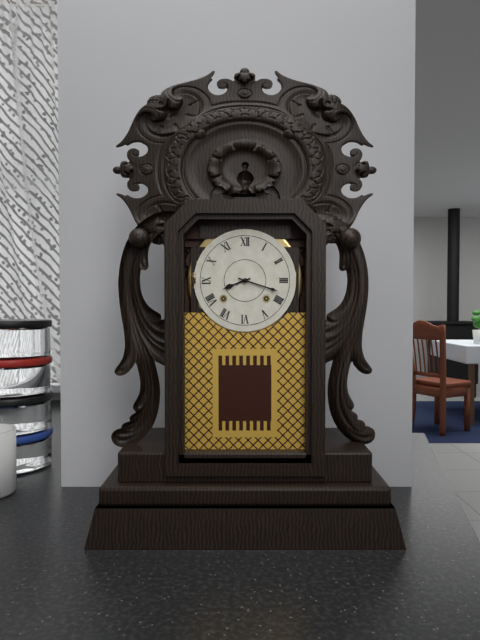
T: 8:18
